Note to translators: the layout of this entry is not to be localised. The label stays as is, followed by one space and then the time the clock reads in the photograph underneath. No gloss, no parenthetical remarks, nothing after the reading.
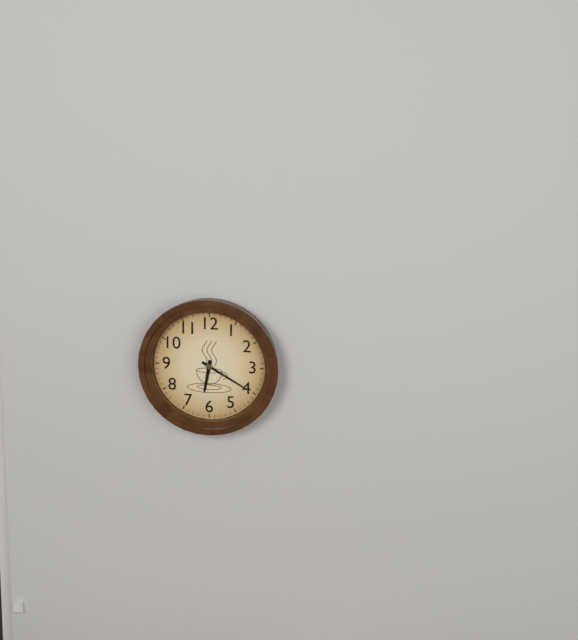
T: 6:20
